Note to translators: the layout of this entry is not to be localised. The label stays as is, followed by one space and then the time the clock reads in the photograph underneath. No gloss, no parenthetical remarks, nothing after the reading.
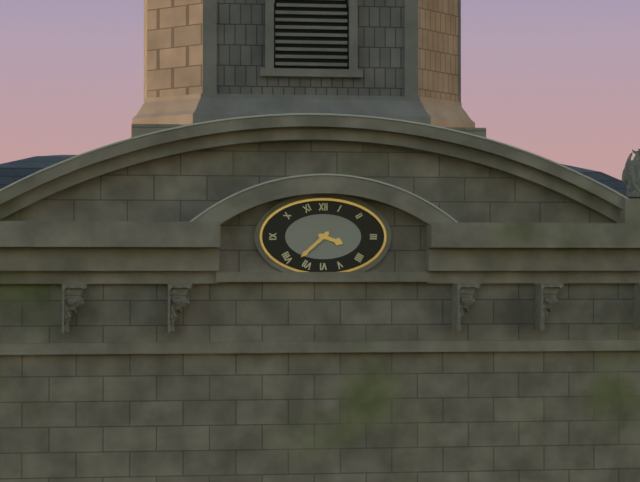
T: 3:38
